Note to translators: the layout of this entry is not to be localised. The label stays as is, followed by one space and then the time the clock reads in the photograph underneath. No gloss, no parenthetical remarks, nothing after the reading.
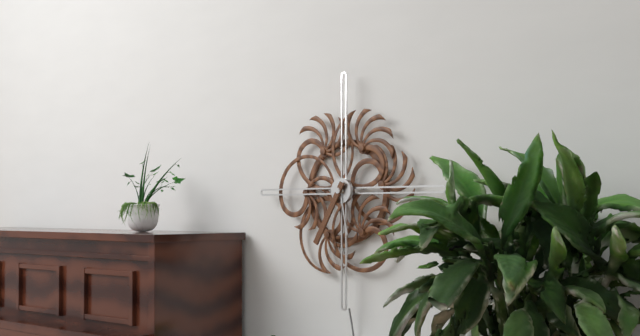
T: 5:35
